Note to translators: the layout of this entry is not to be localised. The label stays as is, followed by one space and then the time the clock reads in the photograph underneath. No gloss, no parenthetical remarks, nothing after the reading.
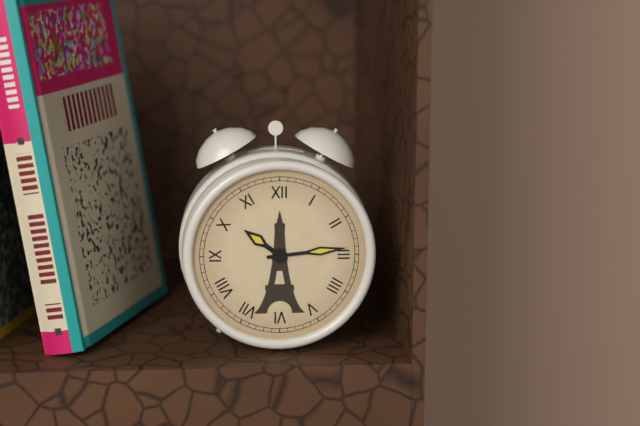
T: 10:14
